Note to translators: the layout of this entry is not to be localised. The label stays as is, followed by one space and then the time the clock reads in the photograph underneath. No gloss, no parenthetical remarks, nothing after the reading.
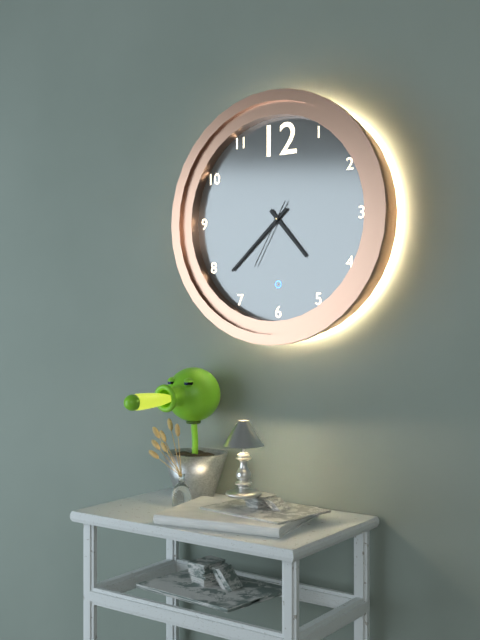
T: 4:38:35
